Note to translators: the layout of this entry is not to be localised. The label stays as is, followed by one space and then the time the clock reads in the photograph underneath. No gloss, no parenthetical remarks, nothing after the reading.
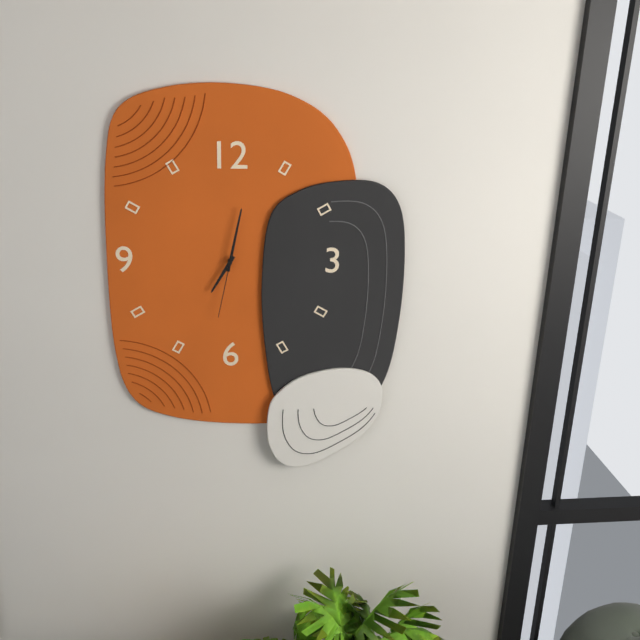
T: 7:02:32
